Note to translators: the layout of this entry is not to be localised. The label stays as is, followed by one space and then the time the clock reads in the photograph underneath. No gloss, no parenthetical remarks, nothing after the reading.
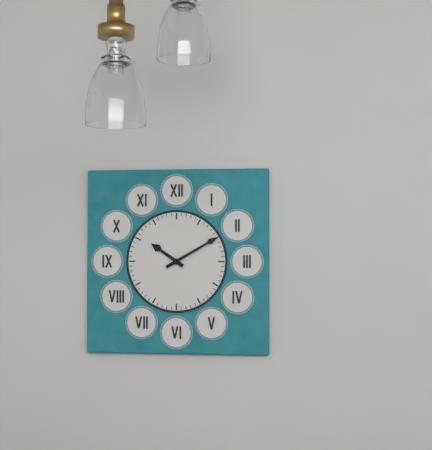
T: 10:10
